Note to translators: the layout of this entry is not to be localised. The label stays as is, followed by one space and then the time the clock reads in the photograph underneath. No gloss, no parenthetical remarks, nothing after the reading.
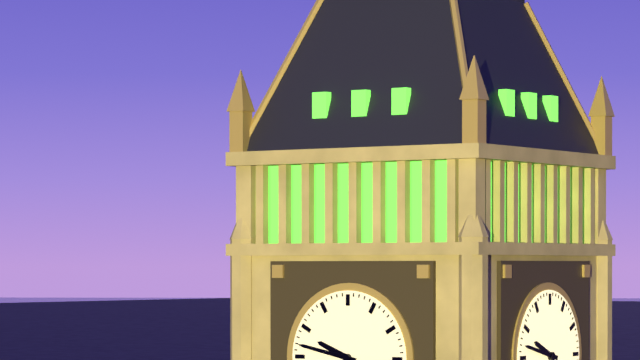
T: 9:47
